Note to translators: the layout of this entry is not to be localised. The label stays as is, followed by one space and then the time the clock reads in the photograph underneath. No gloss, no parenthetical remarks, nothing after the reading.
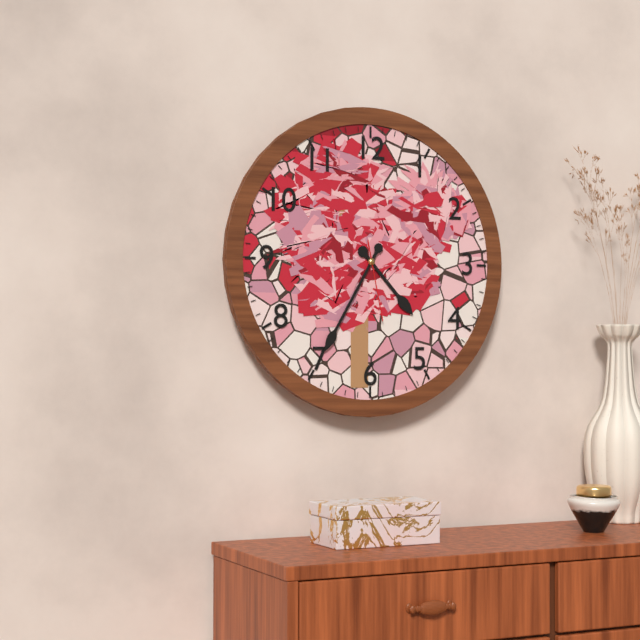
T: 4:35:28
